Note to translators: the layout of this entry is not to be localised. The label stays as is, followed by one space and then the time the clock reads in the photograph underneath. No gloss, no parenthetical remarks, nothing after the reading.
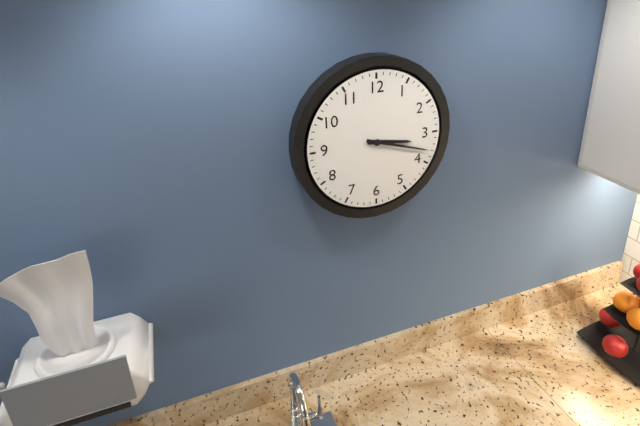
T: 3:18
